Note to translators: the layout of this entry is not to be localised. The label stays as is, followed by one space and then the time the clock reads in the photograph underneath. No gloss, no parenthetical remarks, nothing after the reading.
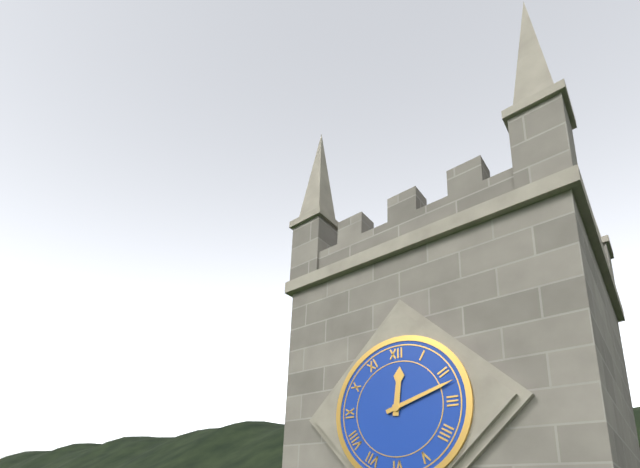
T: 12:12
